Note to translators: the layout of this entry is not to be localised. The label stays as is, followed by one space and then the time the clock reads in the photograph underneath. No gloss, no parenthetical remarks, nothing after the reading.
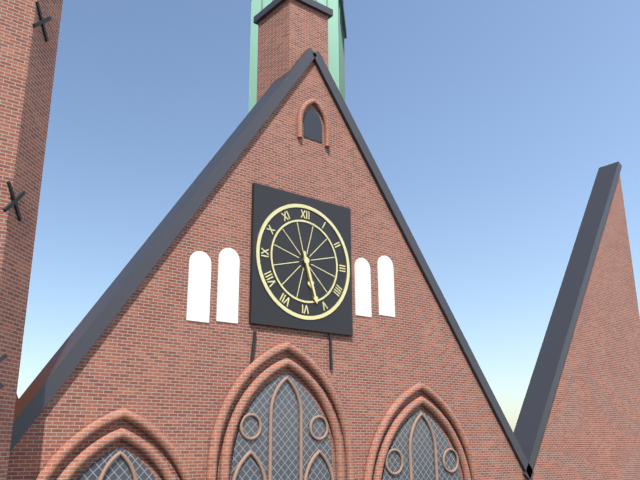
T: 5:27
